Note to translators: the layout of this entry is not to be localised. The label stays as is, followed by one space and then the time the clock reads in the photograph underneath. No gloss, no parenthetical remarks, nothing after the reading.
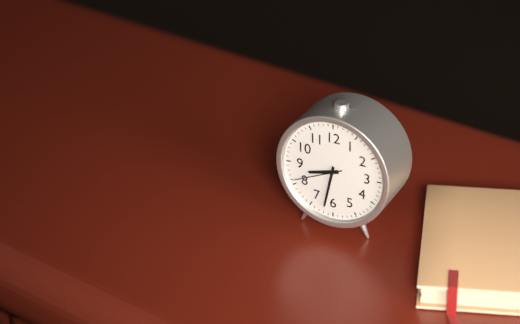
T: 8:32:41
